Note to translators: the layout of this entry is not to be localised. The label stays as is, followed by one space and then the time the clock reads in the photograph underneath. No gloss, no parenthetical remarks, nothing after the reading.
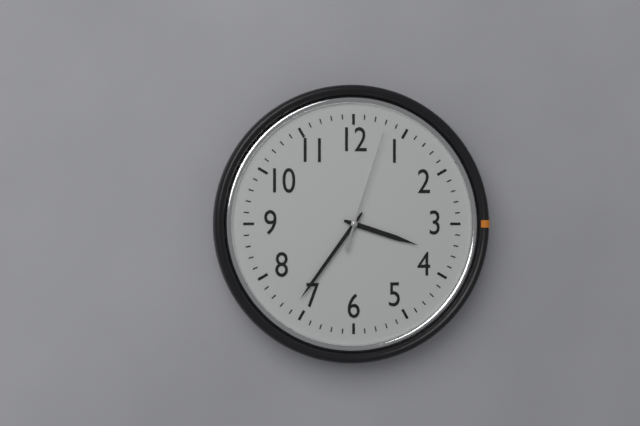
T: 3:36:03
